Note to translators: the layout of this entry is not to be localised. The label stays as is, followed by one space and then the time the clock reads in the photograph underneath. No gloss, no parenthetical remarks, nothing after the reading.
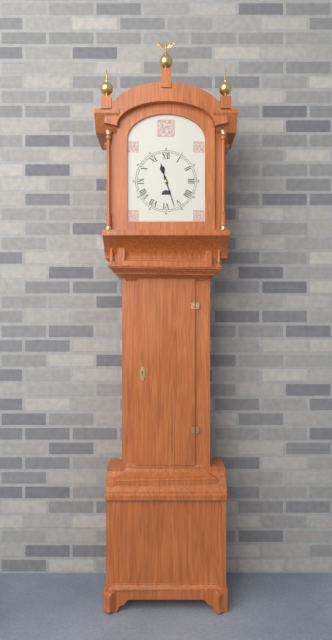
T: 11:27
